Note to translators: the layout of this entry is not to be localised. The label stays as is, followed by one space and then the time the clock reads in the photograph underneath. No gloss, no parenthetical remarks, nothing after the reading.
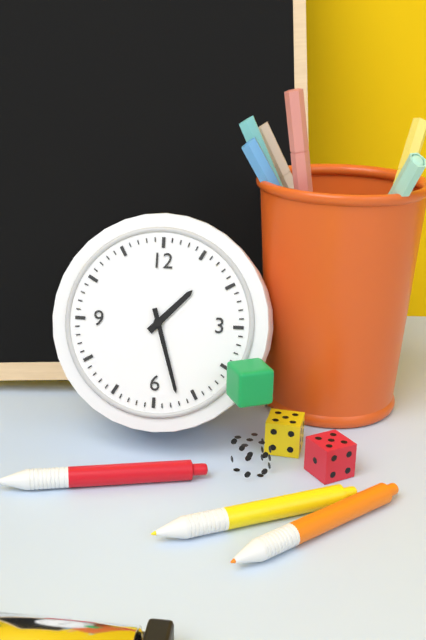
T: 1:27
